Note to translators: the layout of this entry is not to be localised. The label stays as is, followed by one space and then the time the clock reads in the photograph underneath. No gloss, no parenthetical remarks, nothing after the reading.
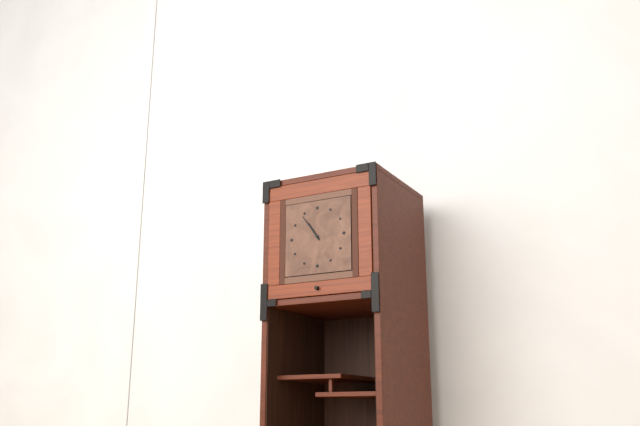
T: 10:54
